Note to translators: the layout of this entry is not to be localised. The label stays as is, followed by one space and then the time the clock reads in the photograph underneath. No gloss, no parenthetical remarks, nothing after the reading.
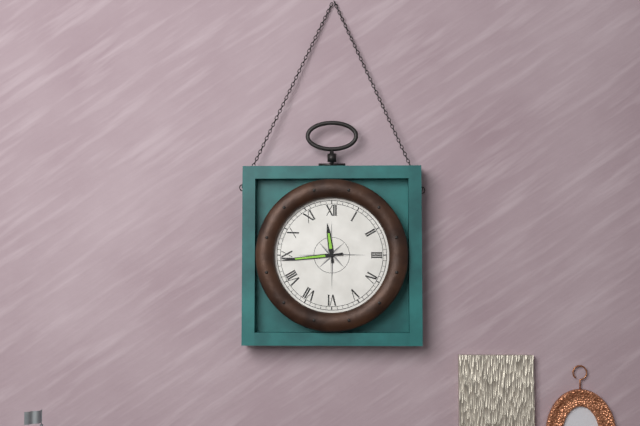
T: 11:44
